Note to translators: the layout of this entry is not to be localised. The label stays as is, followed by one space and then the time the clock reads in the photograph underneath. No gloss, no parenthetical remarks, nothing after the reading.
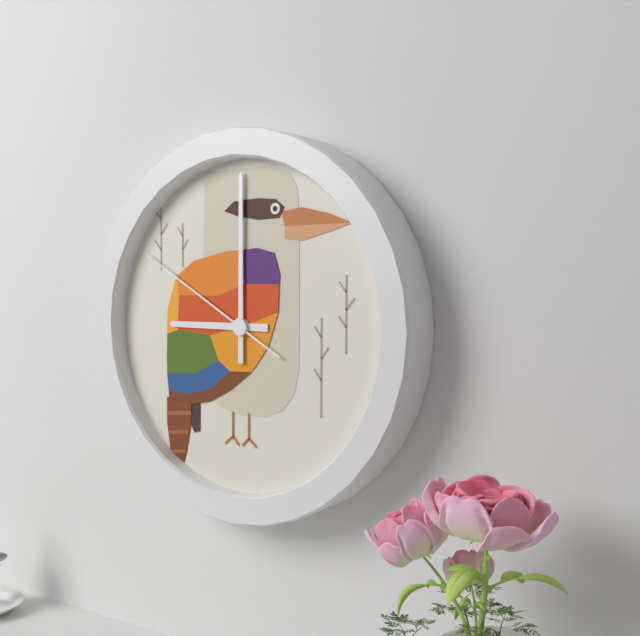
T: 9:00:50
